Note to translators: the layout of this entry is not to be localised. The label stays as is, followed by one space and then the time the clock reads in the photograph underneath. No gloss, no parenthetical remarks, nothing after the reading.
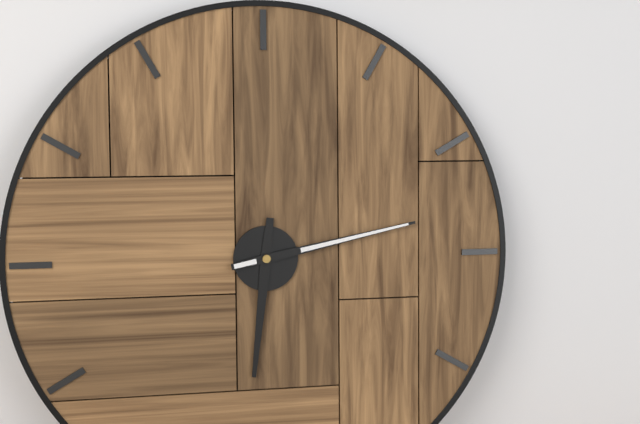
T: 6:13
